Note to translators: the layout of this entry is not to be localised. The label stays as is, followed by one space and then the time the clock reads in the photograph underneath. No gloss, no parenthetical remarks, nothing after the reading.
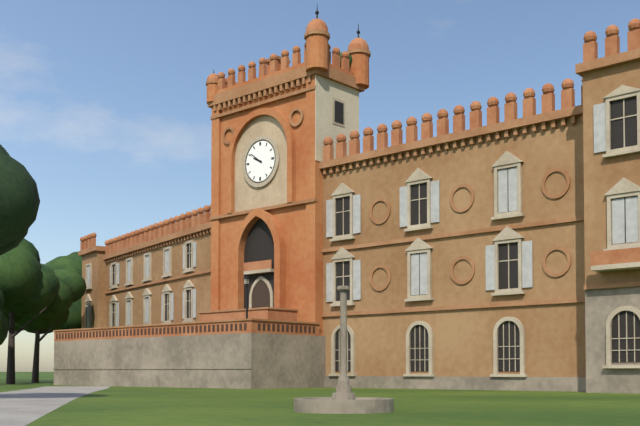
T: 9:51
